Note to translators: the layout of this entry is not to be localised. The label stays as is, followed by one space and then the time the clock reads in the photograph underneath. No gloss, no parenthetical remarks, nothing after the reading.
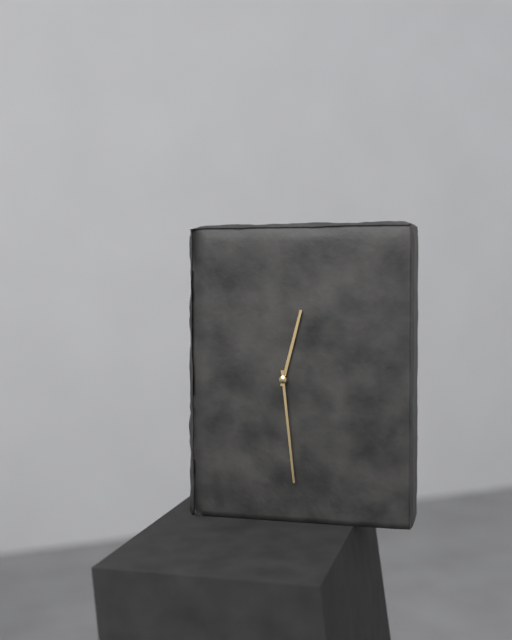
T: 12:29
